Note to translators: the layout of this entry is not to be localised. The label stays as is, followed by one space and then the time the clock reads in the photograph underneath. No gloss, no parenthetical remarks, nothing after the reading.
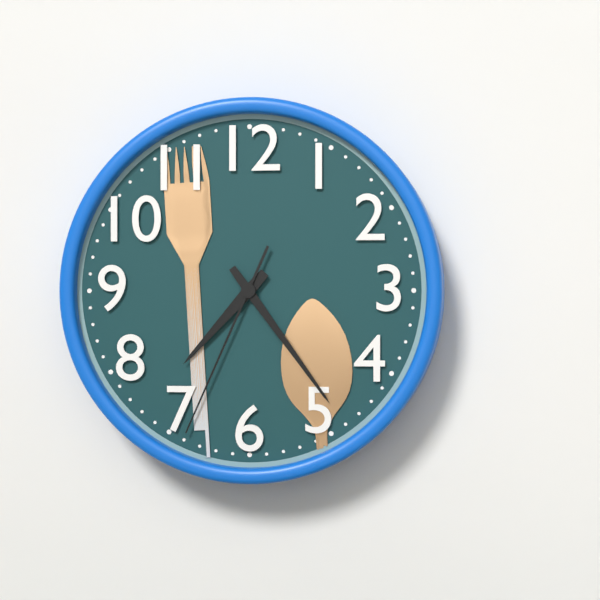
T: 7:24:34
